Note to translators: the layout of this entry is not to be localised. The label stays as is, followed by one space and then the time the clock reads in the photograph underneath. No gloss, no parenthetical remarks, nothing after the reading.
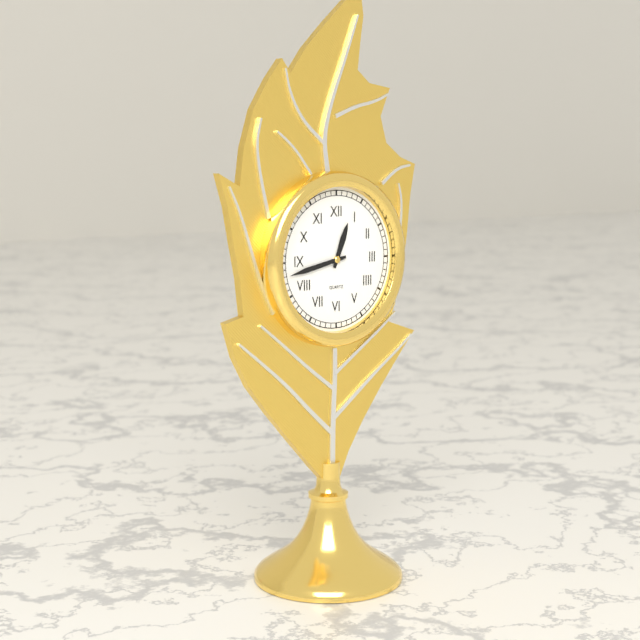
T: 12:43
